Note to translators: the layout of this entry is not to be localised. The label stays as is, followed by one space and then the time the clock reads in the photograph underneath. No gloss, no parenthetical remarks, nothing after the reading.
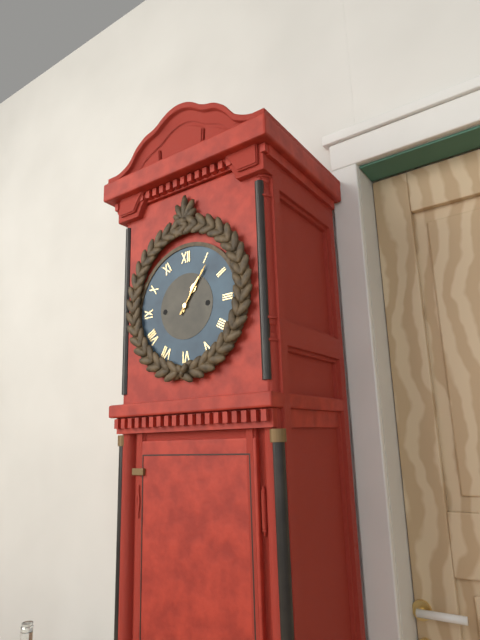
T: 1:06
